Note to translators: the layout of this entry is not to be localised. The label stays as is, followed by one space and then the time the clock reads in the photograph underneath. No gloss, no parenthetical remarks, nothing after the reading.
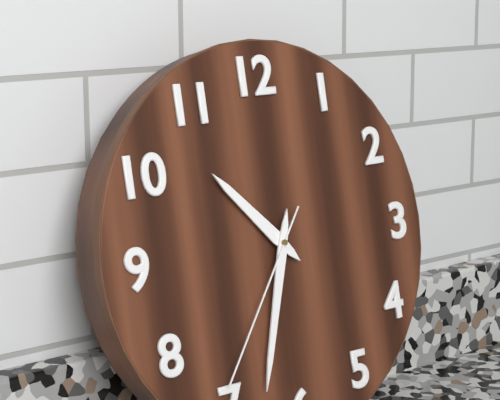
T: 10:33:36
